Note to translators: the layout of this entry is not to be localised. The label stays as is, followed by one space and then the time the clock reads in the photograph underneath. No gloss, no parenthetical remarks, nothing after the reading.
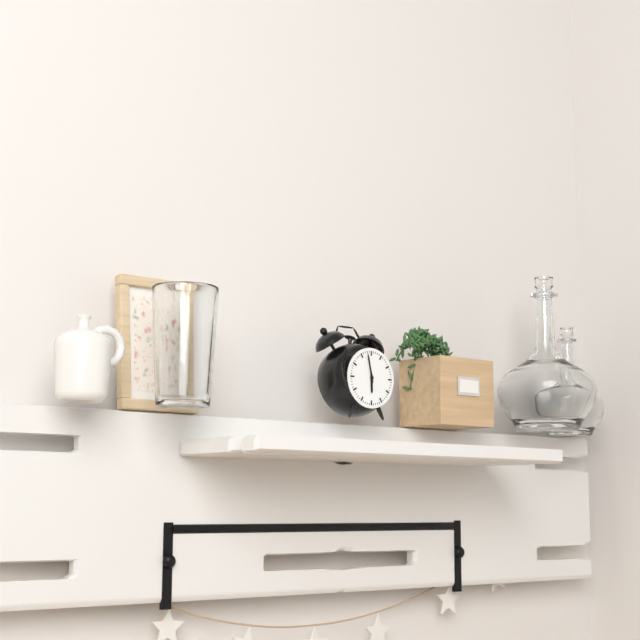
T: 5:58
